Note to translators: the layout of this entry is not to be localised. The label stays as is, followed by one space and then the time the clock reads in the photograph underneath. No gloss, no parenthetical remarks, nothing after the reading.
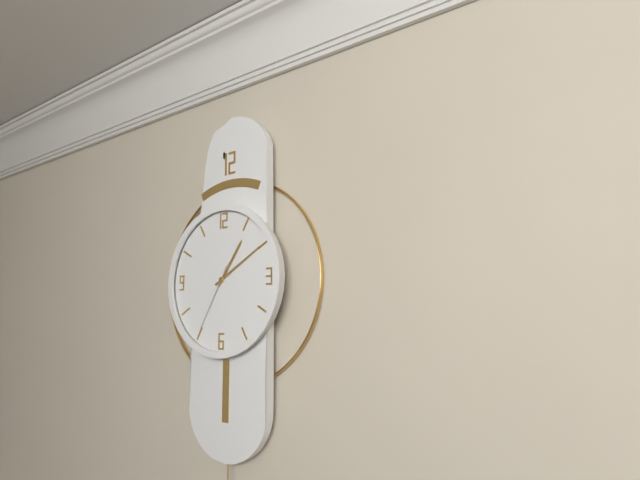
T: 1:10:35
